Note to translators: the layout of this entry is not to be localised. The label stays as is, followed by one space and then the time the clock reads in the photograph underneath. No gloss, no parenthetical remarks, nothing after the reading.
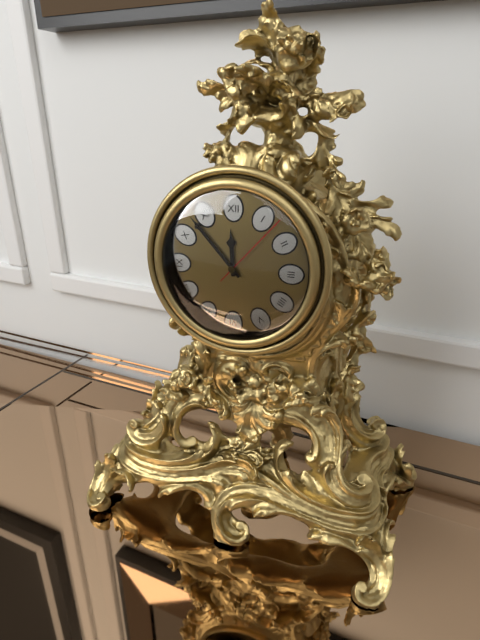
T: 11:53:07
